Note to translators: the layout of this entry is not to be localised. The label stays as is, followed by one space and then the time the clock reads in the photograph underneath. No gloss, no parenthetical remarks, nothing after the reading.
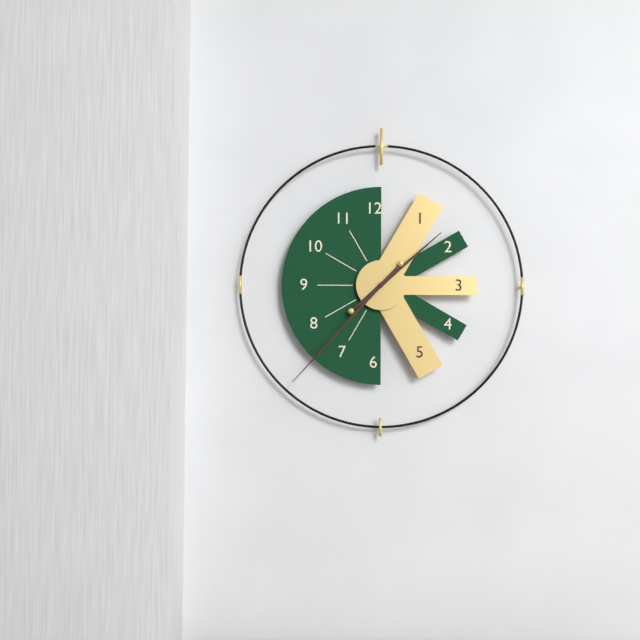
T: 1:37
